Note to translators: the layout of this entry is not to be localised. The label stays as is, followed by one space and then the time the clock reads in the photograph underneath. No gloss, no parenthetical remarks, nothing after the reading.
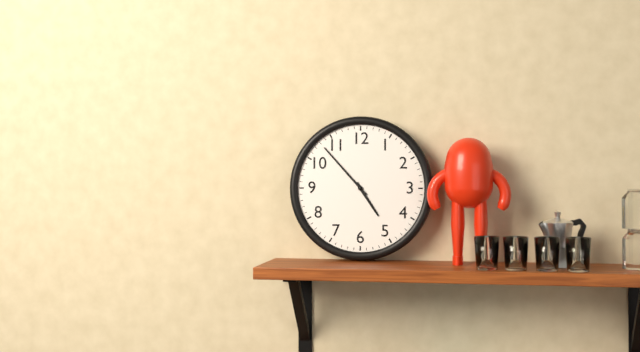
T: 4:53
